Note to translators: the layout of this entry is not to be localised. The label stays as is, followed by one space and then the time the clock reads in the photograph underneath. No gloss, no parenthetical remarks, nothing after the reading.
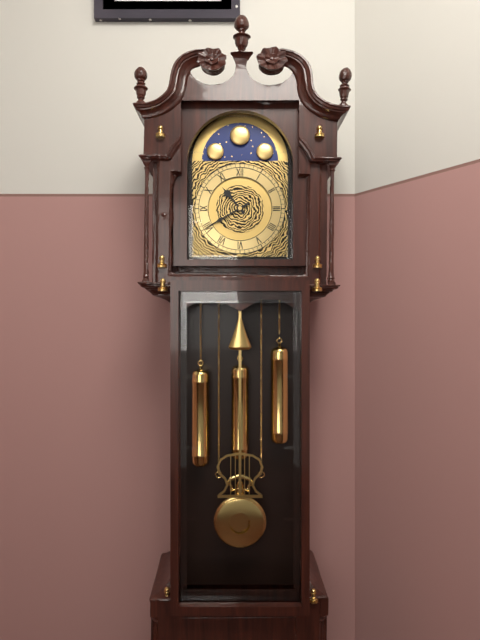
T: 10:40
